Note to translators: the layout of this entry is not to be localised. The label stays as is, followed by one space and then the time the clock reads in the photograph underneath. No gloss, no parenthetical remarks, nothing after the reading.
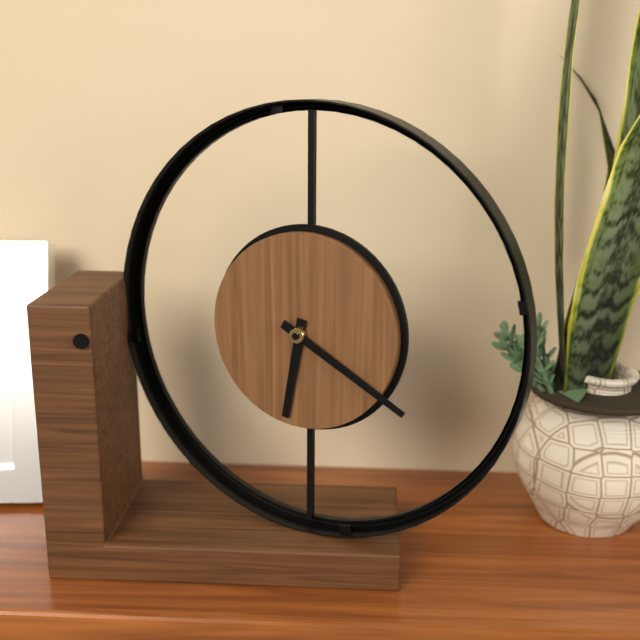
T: 6:20
